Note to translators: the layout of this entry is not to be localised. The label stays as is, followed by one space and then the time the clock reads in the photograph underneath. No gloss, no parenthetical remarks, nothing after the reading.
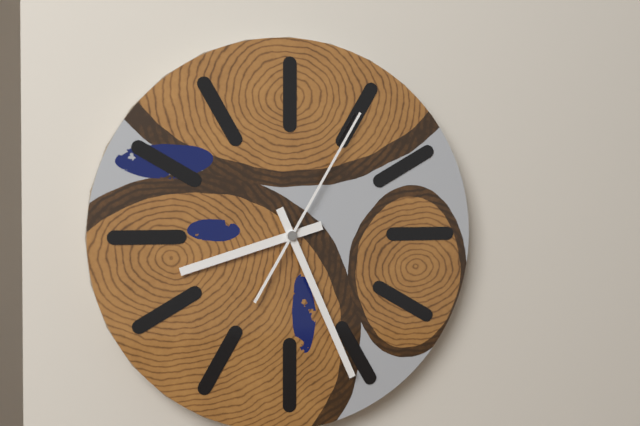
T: 8:26:05
